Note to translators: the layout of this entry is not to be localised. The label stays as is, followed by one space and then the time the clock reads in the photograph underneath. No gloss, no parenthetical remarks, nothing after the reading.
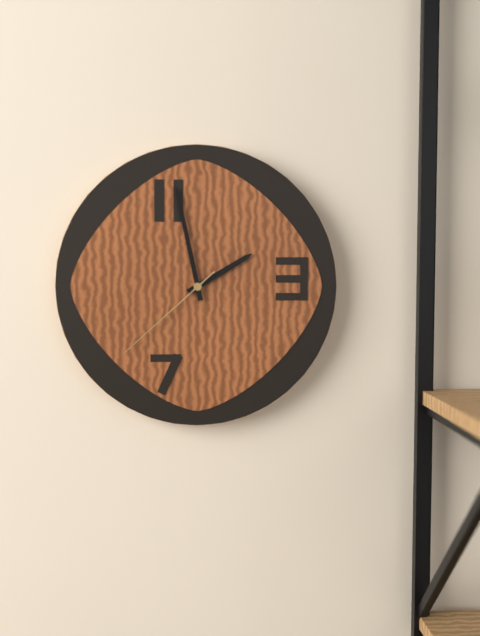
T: 1:58:38
